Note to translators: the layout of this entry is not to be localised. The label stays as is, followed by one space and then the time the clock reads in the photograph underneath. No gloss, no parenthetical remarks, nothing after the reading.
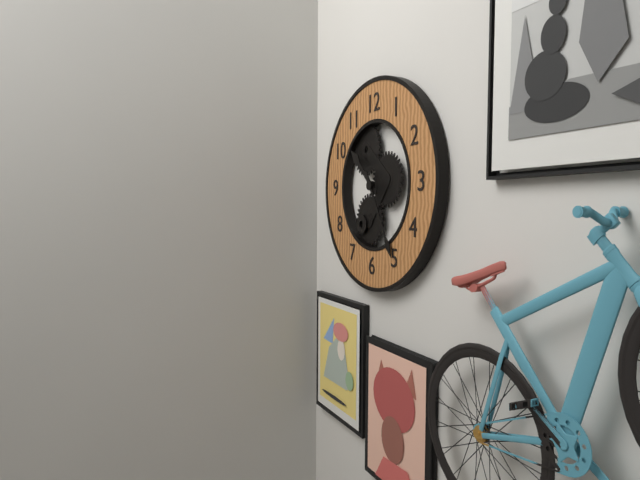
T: 10:25
